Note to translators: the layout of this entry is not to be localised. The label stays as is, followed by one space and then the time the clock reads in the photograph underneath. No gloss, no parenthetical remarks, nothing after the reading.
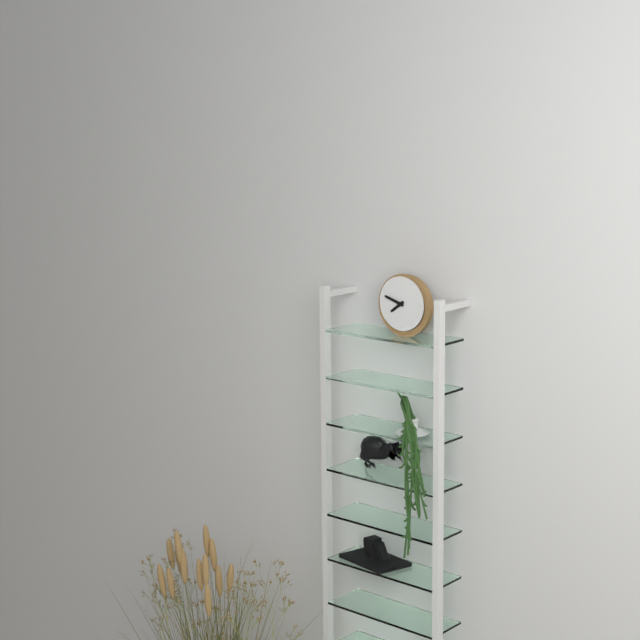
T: 7:48
